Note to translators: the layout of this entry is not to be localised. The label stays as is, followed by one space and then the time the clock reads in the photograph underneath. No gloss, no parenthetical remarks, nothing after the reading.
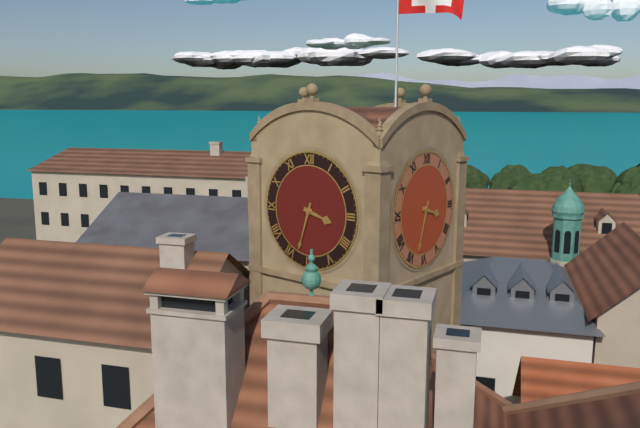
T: 3:33
